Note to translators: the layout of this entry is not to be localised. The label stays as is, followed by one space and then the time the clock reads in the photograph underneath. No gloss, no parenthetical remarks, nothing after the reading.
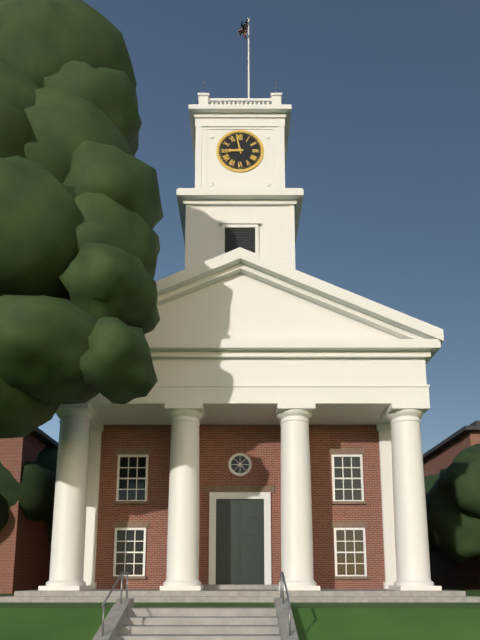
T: 8:58
